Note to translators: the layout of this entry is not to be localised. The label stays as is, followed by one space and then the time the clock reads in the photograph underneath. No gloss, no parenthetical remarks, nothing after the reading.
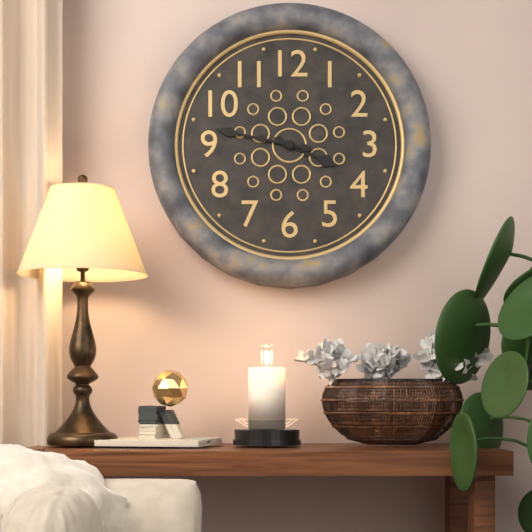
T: 3:47
